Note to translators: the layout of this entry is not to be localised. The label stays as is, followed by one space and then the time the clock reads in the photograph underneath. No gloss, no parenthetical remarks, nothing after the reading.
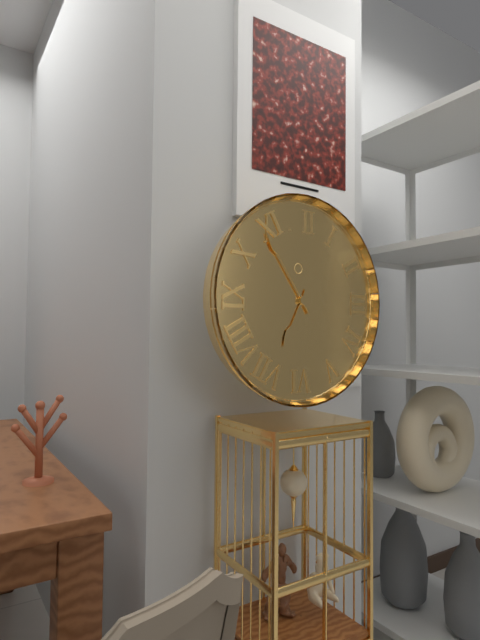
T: 6:54
